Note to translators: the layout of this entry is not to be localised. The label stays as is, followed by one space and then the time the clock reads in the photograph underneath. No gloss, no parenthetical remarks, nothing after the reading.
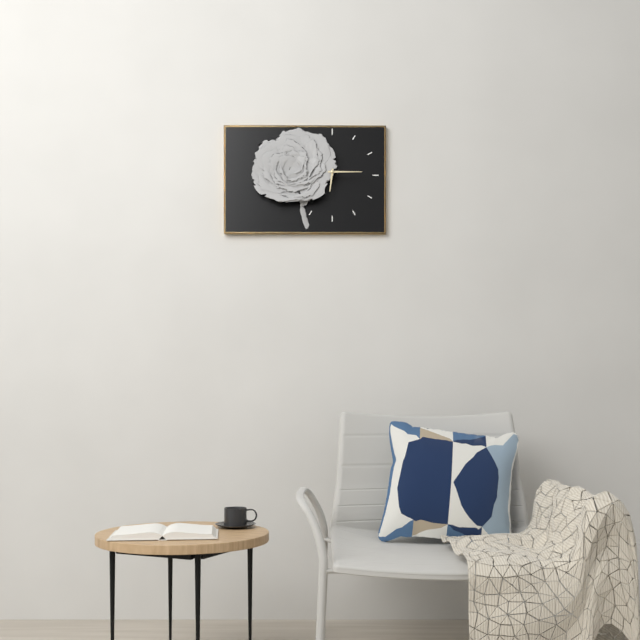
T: 6:15
